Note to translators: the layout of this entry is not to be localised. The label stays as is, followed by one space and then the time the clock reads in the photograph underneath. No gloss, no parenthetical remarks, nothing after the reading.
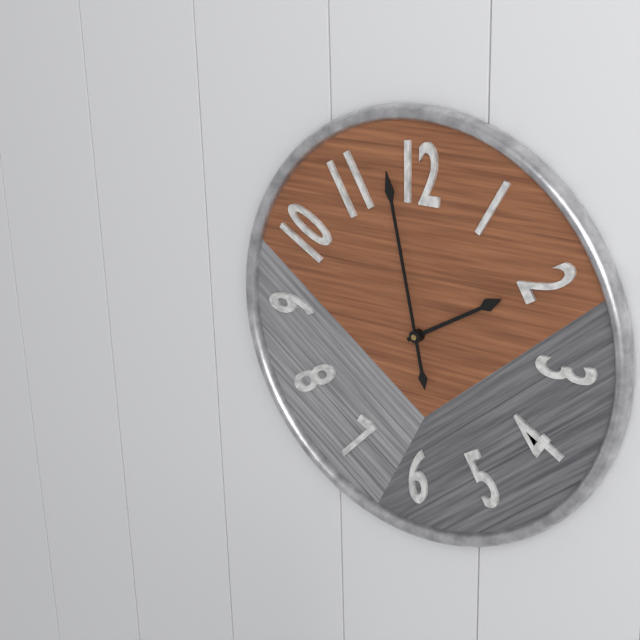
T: 1:58
